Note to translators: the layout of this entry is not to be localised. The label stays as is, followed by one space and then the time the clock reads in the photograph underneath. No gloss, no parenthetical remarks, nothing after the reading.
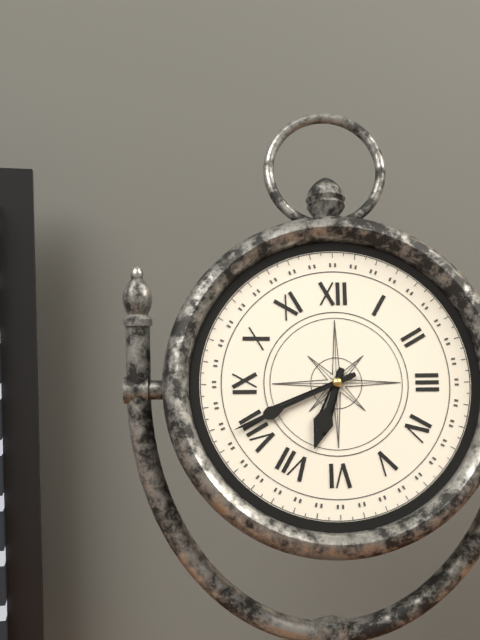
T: 6:41
